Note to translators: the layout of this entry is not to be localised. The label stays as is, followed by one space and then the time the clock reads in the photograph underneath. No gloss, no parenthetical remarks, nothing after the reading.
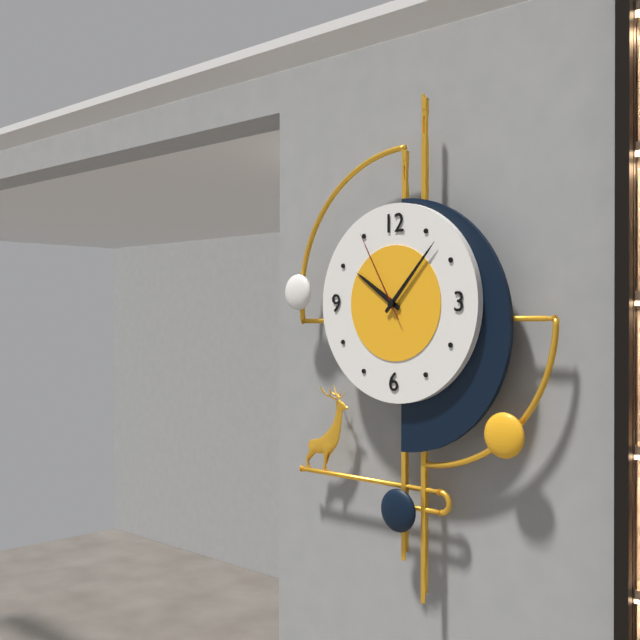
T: 10:07:55
